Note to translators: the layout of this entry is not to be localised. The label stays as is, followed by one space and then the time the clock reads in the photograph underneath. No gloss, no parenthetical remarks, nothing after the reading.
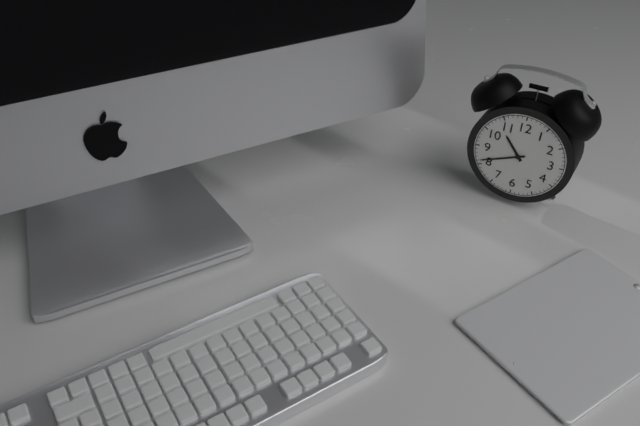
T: 10:41
